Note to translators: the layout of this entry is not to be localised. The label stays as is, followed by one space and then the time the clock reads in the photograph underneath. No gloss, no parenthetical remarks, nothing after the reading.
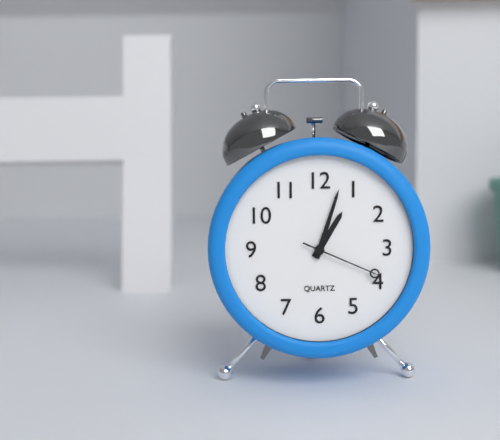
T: 1:03:19
